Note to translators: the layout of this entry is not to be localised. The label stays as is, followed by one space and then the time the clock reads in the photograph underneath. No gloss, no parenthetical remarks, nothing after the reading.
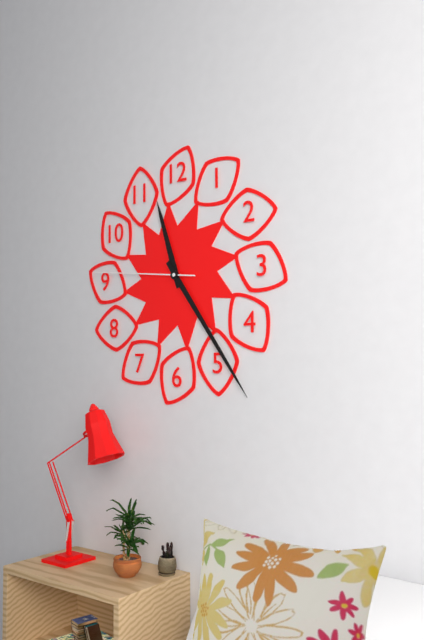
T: 11:24:46
